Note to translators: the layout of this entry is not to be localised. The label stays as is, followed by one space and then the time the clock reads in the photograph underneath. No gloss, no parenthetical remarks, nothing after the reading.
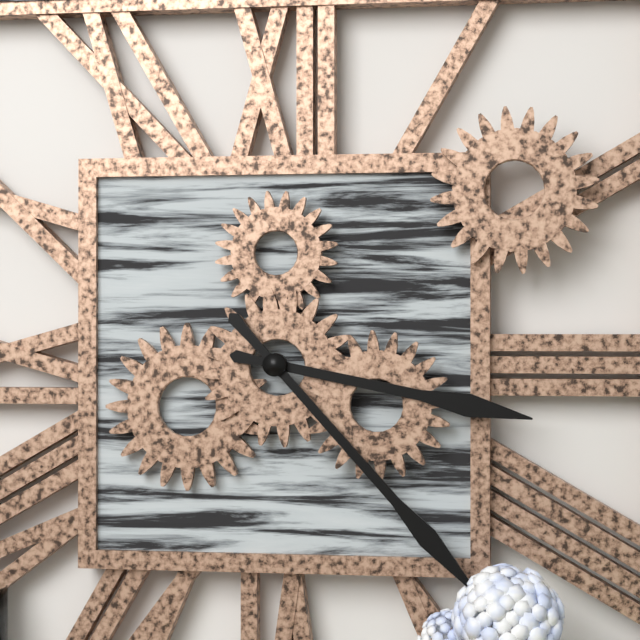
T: 3:23
